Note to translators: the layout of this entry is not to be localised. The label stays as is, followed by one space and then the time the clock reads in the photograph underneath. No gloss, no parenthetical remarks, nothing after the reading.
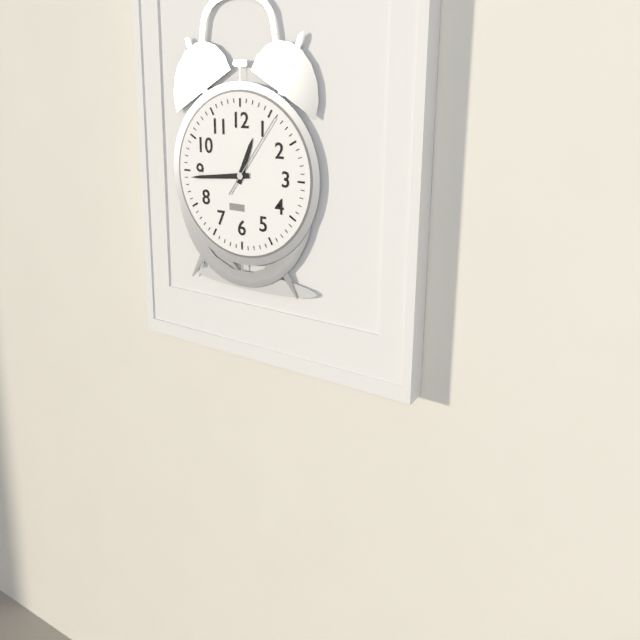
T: 12:44:06
